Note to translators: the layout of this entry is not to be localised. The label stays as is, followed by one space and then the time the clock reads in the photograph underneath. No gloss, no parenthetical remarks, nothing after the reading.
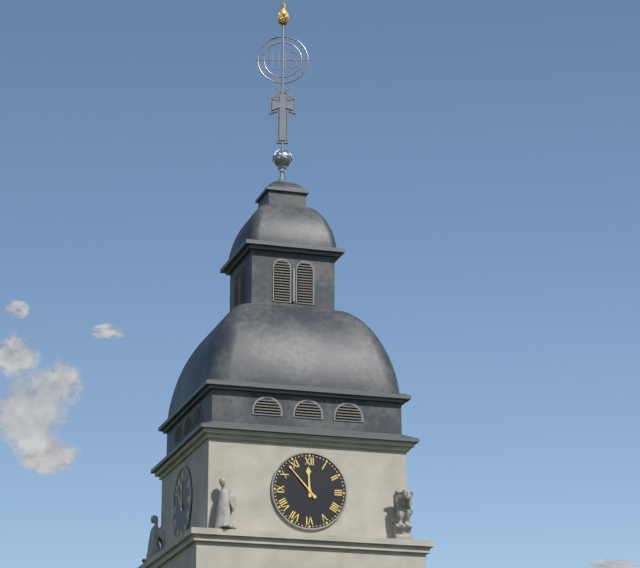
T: 11:53
